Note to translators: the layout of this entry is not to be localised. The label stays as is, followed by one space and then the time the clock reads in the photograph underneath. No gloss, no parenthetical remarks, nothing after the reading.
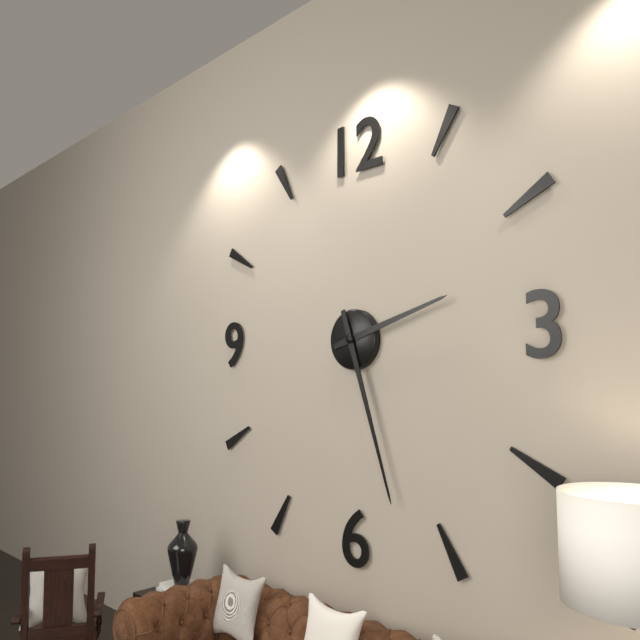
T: 2:27
